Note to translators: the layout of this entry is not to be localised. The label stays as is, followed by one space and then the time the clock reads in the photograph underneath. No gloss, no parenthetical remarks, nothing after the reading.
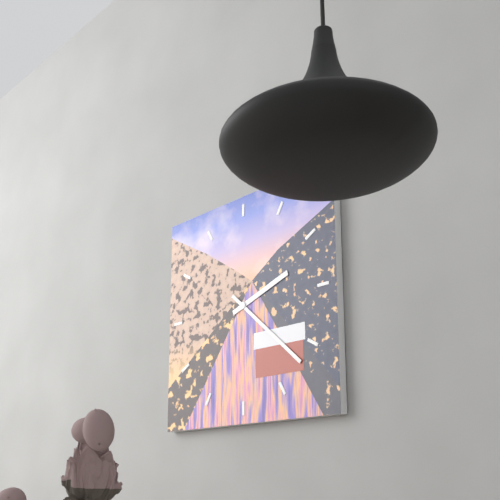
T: 2:22
